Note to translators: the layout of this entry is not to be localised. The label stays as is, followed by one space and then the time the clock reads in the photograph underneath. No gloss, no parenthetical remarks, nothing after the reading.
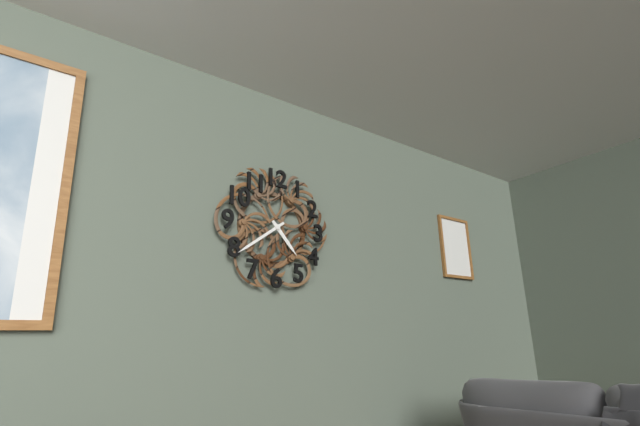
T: 4:39
